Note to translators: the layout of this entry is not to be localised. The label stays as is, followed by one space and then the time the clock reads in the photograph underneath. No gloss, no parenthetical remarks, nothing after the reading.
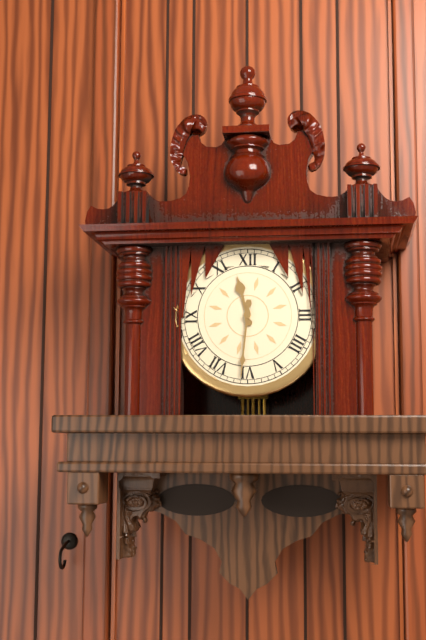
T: 11:31
